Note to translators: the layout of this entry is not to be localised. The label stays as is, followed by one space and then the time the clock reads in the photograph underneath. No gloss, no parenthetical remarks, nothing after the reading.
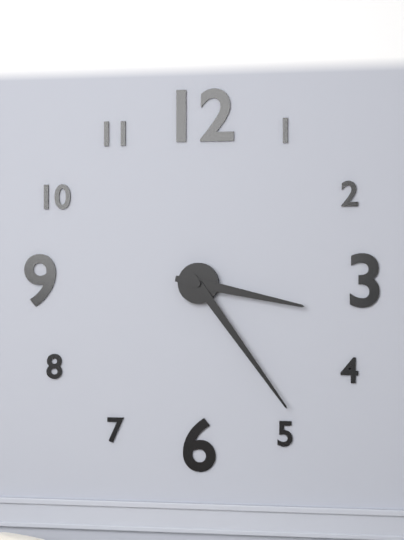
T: 3:24
